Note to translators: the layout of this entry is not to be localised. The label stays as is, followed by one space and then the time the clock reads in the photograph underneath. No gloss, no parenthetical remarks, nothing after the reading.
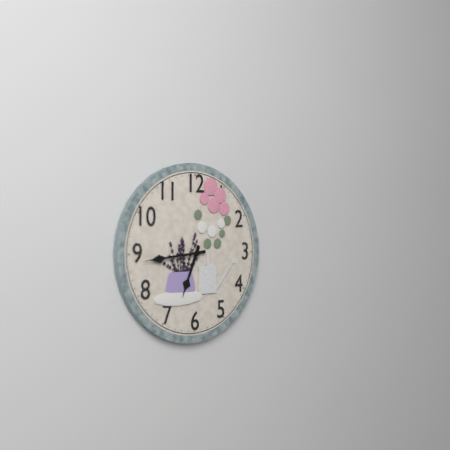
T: 6:44
